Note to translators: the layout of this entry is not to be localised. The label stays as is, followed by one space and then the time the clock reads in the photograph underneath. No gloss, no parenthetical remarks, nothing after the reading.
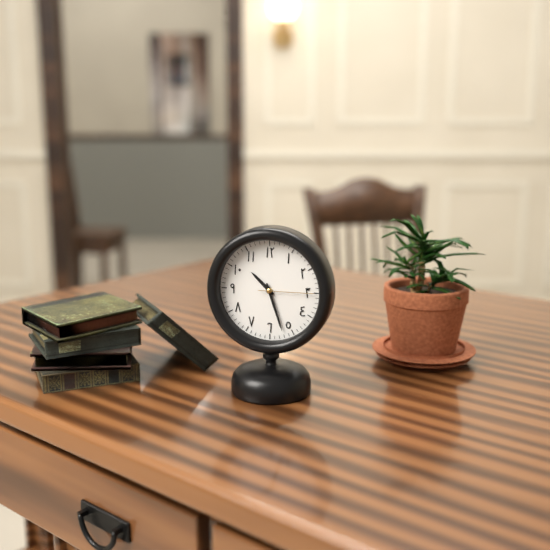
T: 10:27:15
